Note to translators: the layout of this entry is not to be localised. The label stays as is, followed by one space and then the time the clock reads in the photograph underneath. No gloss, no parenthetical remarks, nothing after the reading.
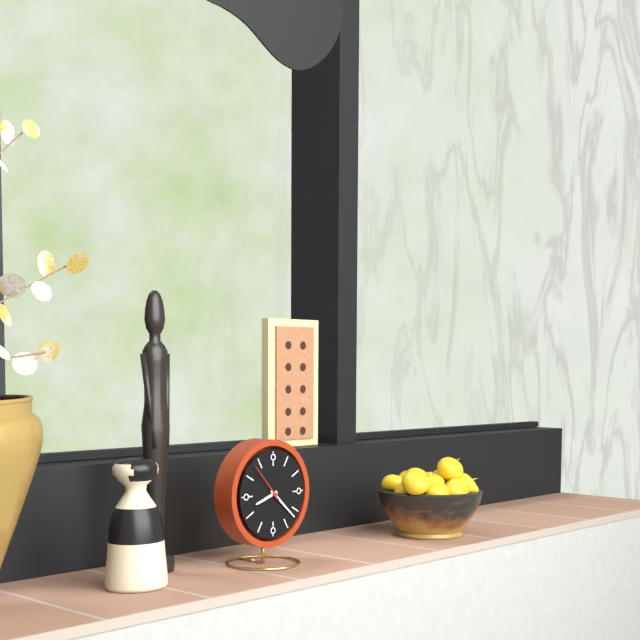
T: 8:22
